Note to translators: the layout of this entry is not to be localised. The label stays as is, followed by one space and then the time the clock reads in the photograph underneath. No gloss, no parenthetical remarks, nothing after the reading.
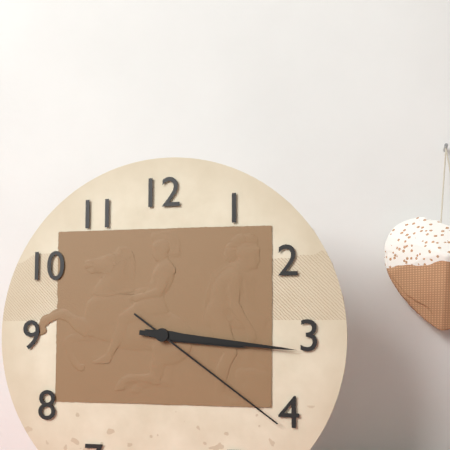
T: 3:16:21
